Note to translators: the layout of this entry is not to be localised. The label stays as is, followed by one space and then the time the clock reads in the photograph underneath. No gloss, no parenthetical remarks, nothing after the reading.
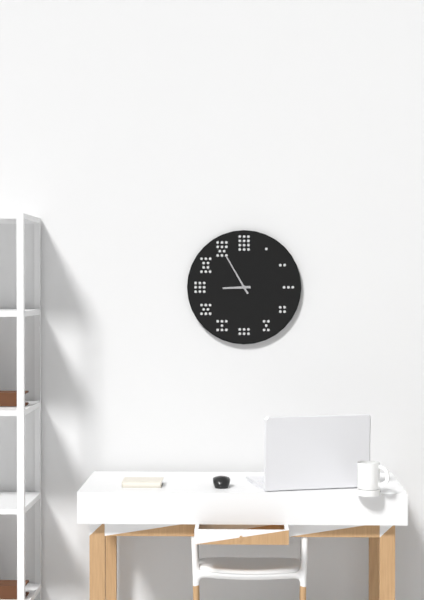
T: 8:55
